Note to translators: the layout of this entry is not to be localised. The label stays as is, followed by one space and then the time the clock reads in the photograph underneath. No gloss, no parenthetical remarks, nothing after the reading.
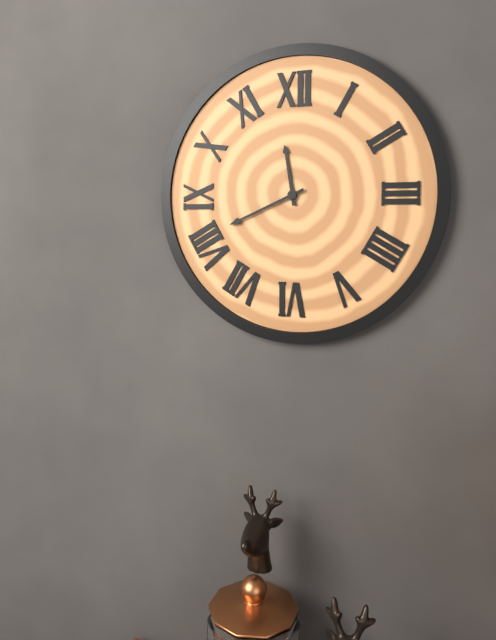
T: 11:41
